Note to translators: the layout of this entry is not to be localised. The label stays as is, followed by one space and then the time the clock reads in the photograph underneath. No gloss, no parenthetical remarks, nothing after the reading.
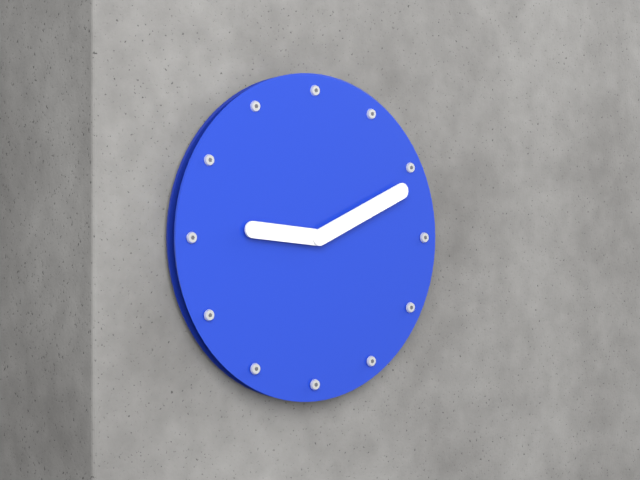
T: 9:11
